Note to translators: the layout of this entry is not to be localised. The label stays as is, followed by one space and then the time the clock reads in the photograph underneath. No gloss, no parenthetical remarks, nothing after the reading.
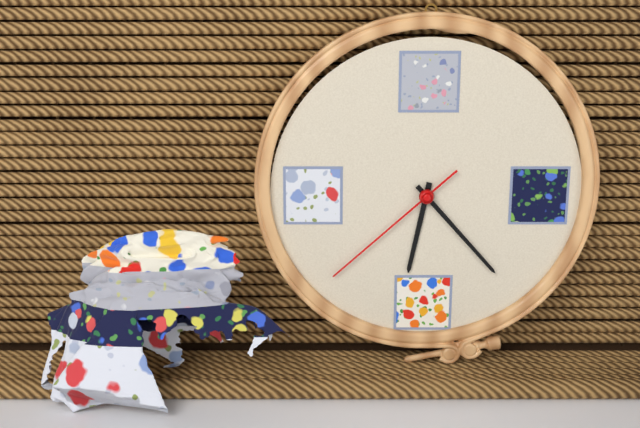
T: 6:23:38
